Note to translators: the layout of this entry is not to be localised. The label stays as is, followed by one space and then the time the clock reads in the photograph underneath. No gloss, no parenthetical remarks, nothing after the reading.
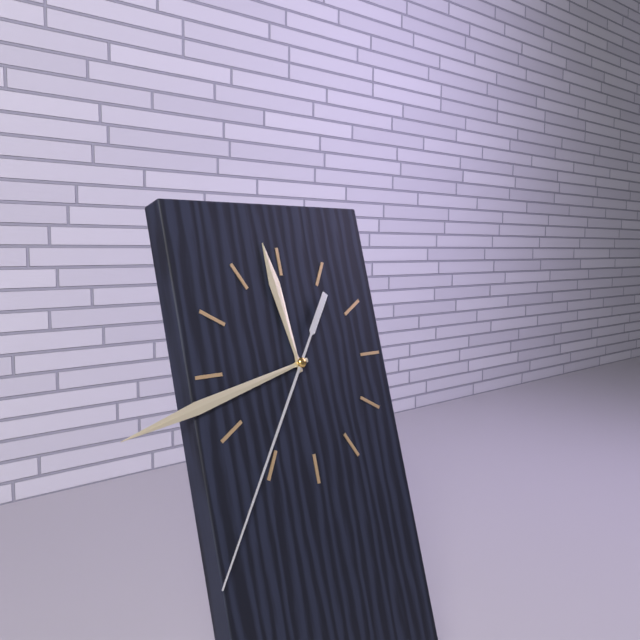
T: 11:43:36
